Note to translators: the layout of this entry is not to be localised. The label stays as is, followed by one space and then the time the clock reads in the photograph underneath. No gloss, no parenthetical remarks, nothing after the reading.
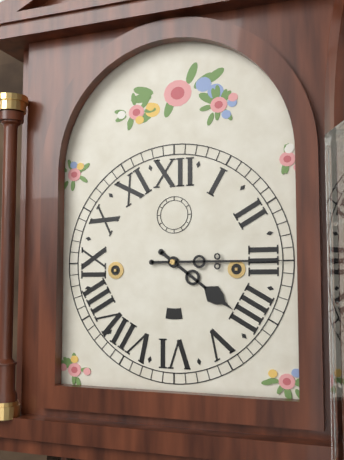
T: 4:15
